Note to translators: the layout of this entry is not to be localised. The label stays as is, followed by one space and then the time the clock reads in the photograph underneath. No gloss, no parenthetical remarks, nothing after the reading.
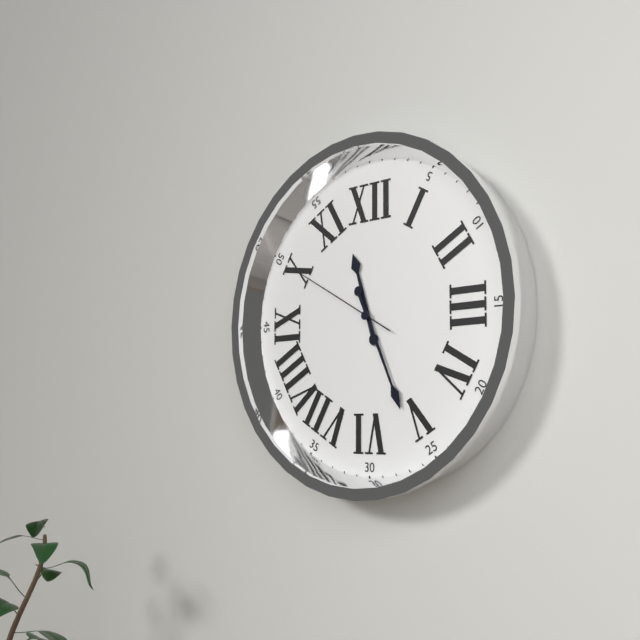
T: 11:26:50
